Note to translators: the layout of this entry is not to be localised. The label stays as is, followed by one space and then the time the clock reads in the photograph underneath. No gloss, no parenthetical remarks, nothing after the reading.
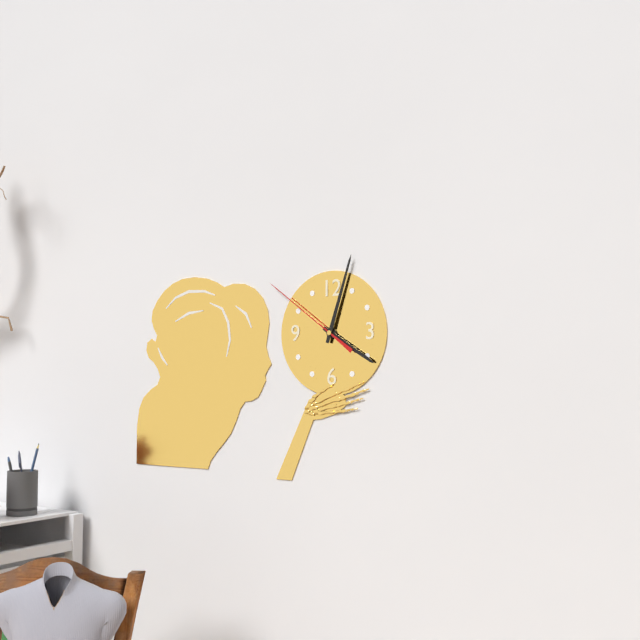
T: 4:03:51
